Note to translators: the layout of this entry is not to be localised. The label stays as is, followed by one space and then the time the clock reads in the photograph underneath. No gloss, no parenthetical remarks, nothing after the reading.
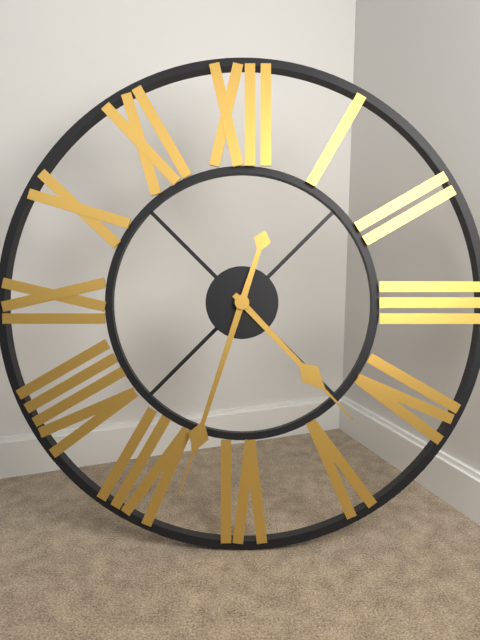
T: 4:33
